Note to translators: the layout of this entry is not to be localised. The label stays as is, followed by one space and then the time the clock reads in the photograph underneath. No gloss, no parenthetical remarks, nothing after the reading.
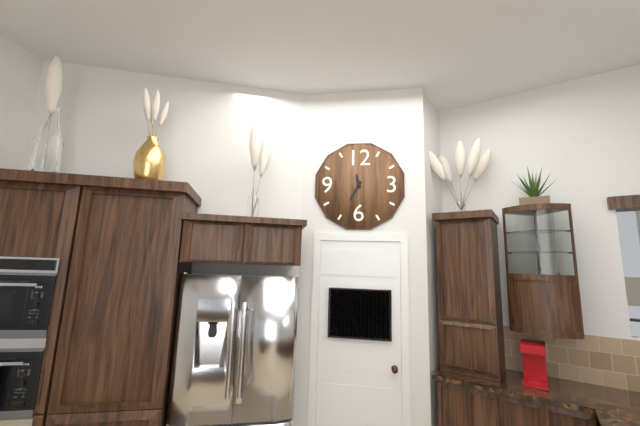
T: 11:35
